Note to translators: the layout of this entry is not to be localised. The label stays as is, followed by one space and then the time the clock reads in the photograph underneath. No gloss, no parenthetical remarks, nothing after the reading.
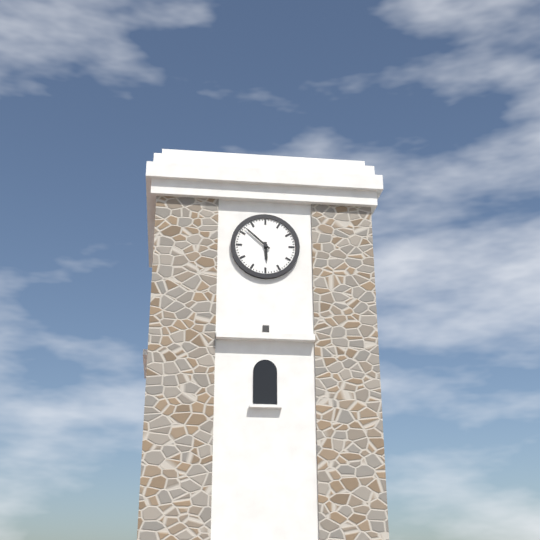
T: 5:52
